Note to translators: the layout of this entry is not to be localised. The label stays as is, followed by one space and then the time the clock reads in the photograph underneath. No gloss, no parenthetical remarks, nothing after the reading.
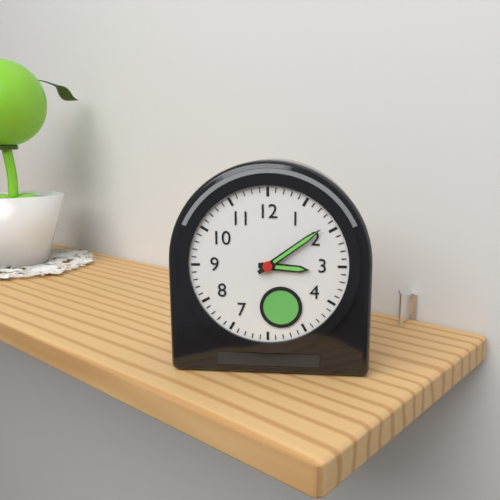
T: 3:09
